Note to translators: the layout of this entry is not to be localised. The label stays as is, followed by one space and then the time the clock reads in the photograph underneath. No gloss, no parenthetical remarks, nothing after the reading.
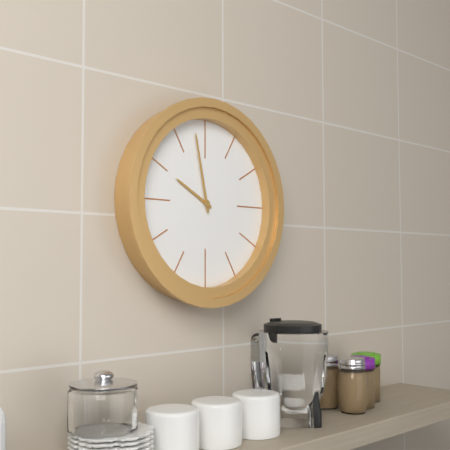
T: 9:58
